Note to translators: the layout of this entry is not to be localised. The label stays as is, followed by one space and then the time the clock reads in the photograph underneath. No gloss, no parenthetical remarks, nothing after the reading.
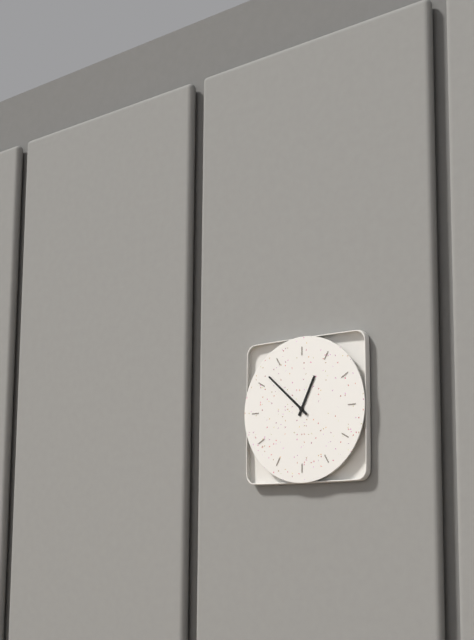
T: 12:52
